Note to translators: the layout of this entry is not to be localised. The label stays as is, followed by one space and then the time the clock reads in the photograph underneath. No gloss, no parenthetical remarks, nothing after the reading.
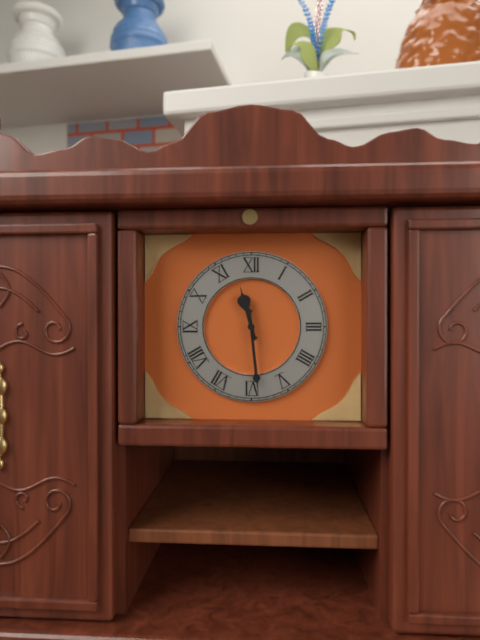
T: 11:29
